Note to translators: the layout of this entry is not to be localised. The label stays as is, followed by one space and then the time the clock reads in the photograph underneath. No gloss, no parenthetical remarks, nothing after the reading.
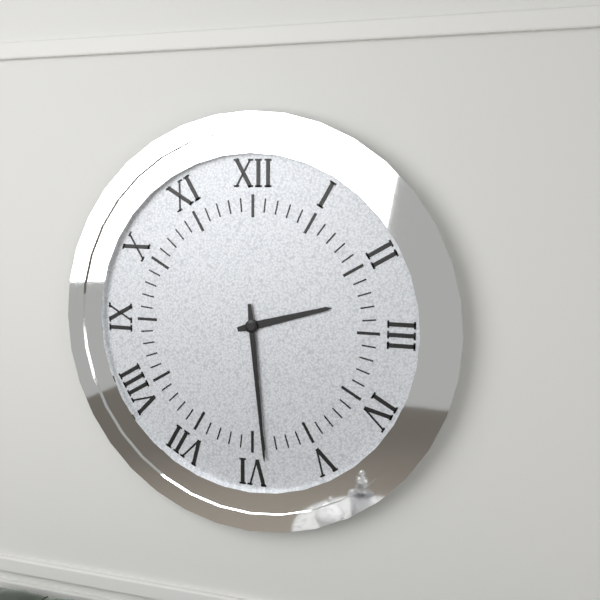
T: 2:29
